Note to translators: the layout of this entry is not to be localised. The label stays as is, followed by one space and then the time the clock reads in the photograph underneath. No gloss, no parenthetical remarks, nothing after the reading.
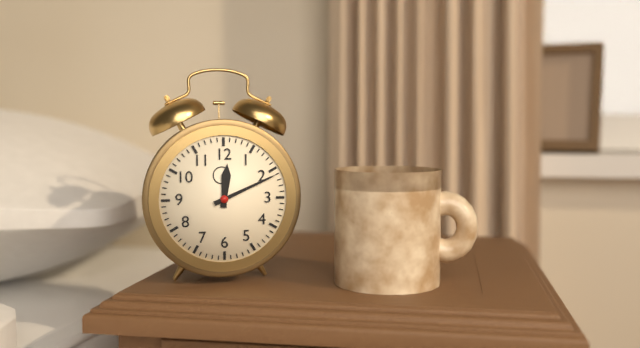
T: 12:11
